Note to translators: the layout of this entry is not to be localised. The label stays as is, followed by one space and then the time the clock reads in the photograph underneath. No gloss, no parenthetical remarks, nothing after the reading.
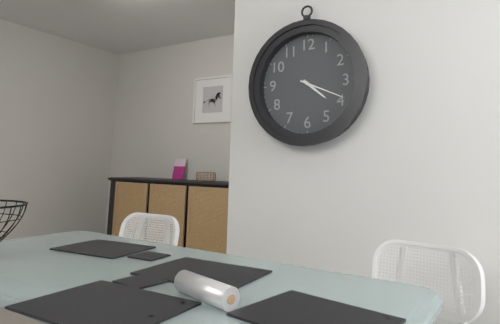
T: 4:19
